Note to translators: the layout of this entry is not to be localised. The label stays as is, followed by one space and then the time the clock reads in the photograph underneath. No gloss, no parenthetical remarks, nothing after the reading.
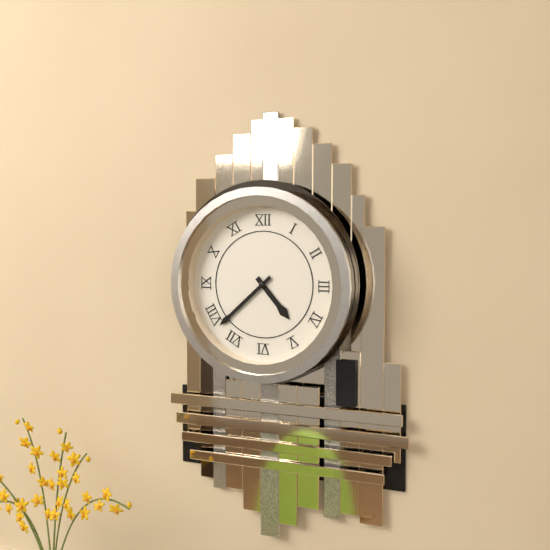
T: 4:38
